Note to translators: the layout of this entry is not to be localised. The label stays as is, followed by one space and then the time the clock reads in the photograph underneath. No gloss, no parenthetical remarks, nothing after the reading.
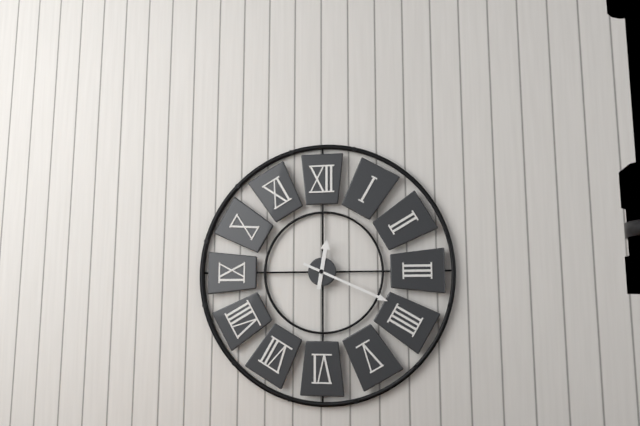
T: 12:19
